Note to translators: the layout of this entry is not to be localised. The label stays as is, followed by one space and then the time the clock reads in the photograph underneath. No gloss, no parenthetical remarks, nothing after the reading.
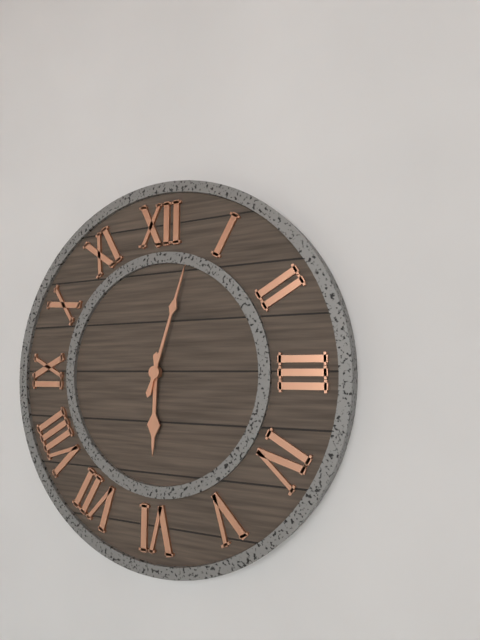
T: 6:03
